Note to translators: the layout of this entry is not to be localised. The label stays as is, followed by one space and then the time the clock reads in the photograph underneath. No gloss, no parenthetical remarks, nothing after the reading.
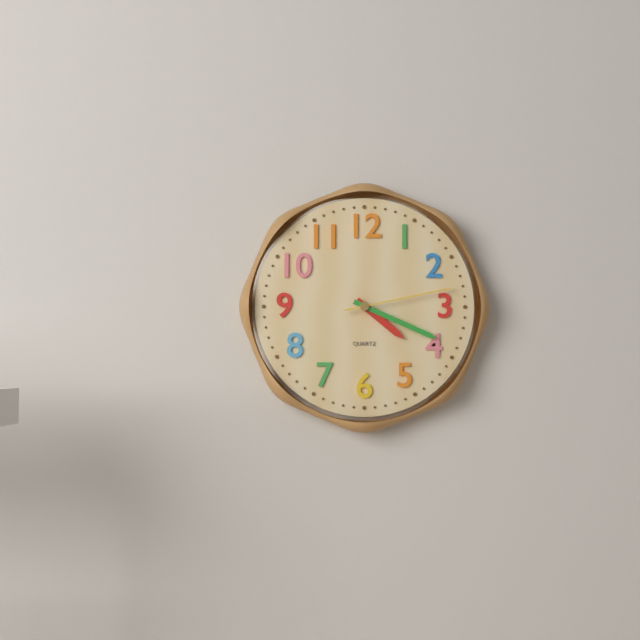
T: 4:19:13
